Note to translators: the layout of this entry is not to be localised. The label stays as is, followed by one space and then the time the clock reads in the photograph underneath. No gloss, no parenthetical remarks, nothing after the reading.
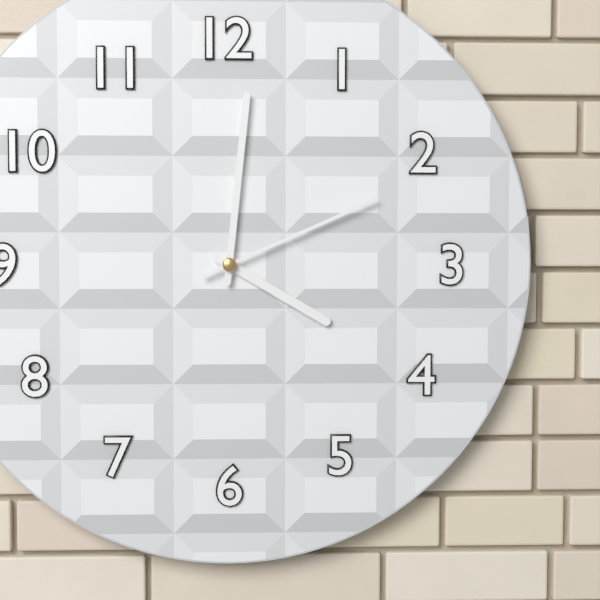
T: 4:01:11
